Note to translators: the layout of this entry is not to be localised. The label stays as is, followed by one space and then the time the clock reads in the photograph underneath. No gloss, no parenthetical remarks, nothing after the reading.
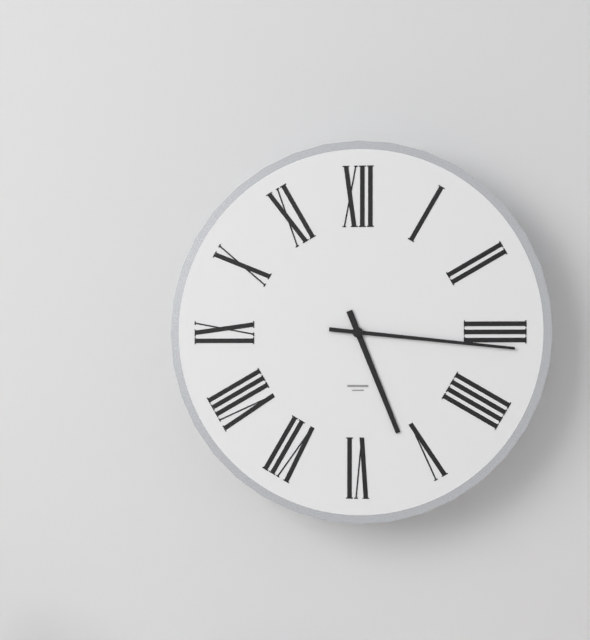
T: 5:16
